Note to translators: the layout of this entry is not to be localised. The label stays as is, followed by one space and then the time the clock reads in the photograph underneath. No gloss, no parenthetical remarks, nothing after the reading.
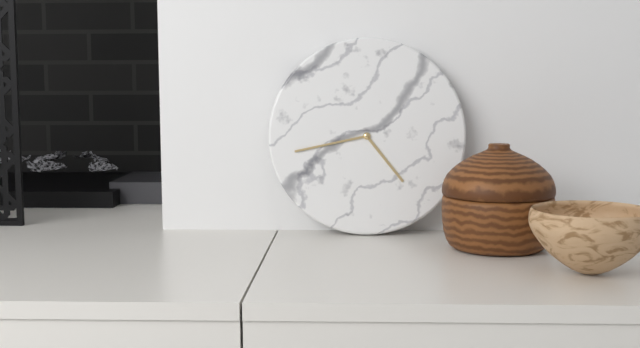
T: 4:43
